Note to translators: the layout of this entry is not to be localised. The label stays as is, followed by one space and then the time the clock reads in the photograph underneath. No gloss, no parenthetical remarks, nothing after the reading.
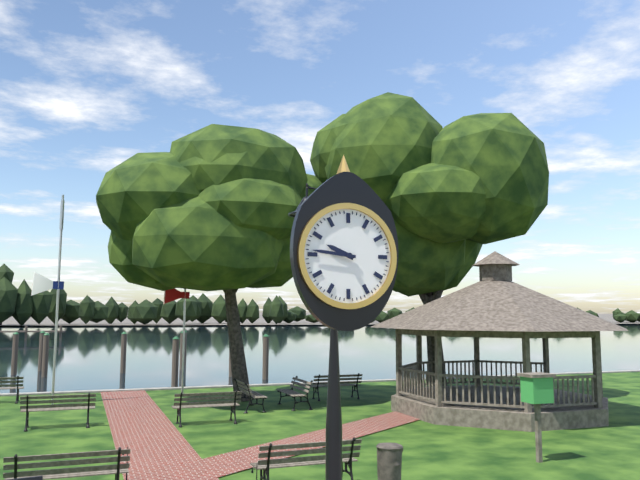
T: 9:46
